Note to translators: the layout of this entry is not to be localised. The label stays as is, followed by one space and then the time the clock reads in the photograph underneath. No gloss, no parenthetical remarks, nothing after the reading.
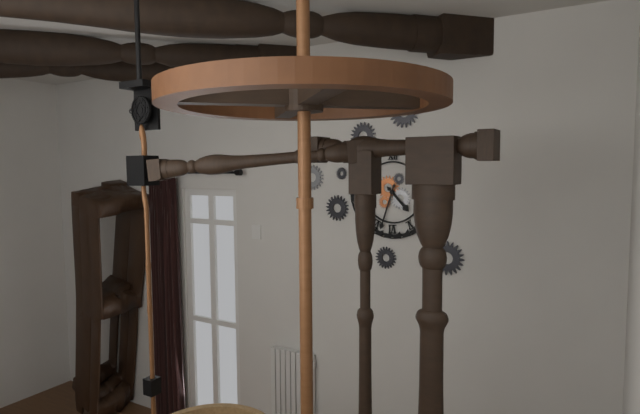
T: 4:33
